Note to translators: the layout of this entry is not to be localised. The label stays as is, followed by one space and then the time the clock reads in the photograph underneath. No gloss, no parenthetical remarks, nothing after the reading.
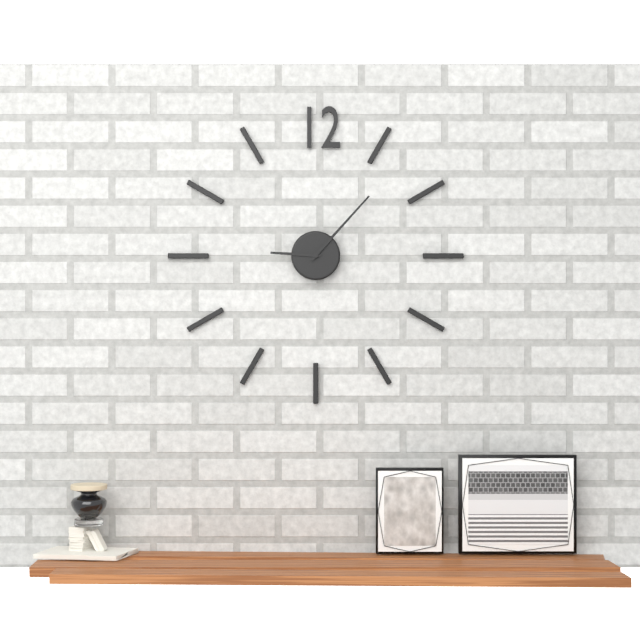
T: 9:07
